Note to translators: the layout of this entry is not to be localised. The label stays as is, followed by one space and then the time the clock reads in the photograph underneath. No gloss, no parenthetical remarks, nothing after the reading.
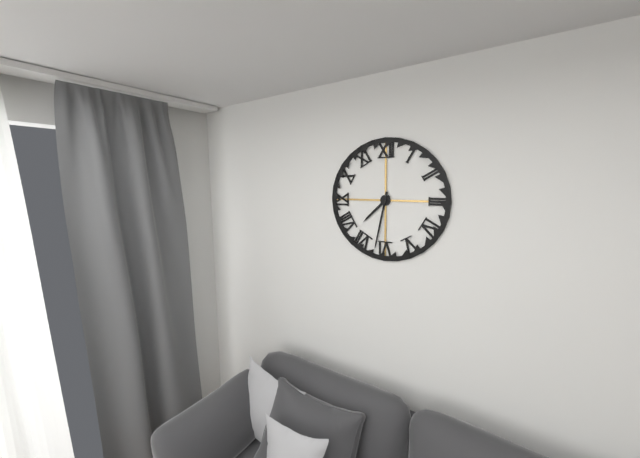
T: 7:32
